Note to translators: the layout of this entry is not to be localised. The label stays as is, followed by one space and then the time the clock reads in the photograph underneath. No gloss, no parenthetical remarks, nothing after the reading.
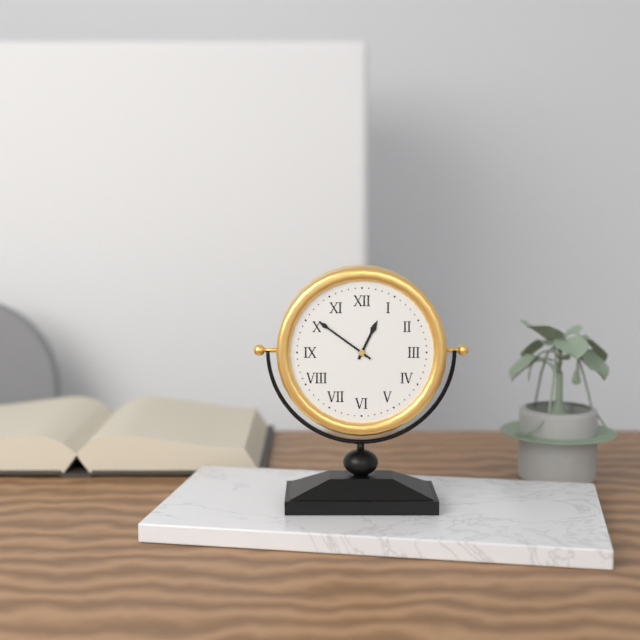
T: 12:51
